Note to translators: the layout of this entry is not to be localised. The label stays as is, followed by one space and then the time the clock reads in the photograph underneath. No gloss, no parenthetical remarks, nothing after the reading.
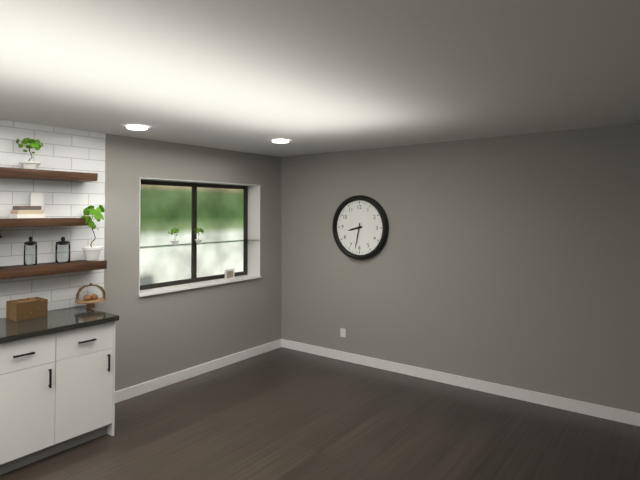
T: 8:32
